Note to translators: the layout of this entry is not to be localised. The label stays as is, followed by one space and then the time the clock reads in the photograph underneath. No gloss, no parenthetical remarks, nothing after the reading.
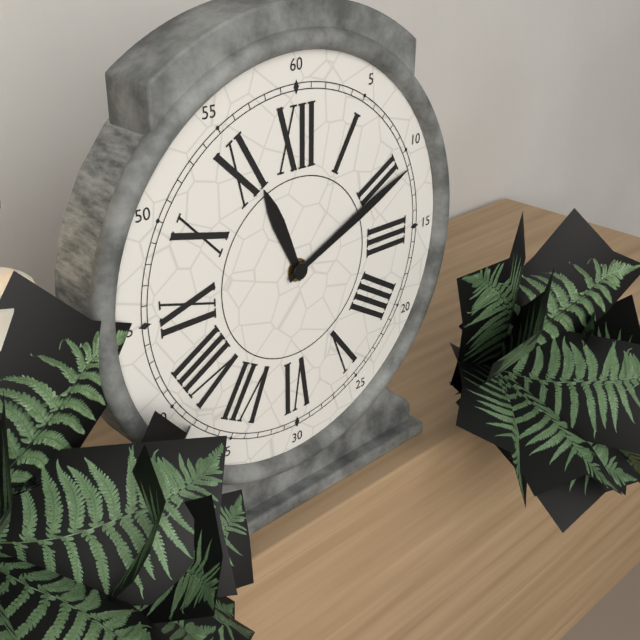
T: 11:11
